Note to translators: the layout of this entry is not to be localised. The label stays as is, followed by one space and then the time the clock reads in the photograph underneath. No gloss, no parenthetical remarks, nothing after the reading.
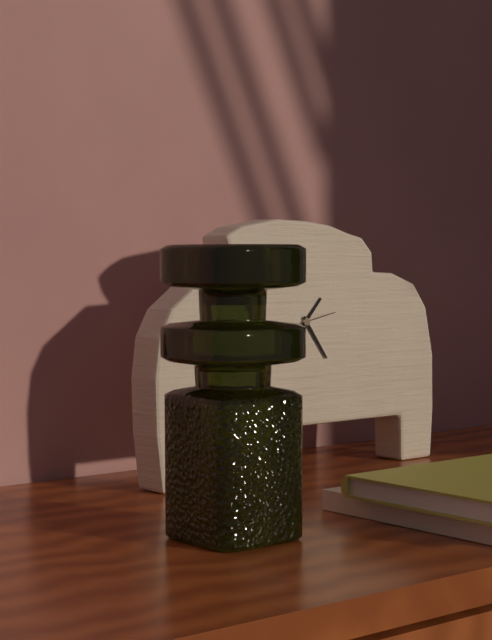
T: 1:24
